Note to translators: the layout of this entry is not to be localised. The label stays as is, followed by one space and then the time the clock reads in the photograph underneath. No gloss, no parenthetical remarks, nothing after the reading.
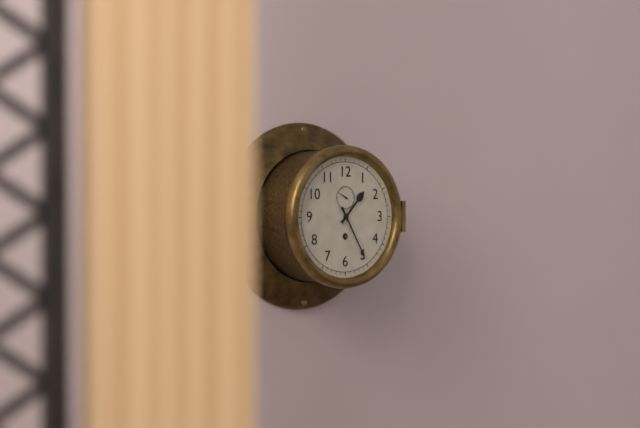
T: 1:25
